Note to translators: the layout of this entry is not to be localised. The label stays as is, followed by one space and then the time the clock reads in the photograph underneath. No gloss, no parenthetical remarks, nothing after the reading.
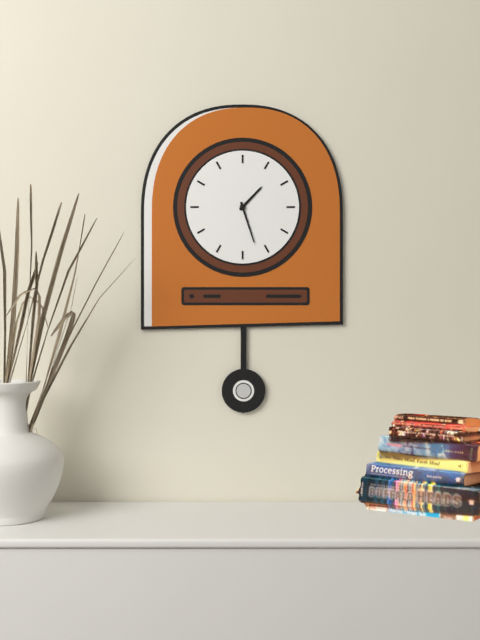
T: 1:27
